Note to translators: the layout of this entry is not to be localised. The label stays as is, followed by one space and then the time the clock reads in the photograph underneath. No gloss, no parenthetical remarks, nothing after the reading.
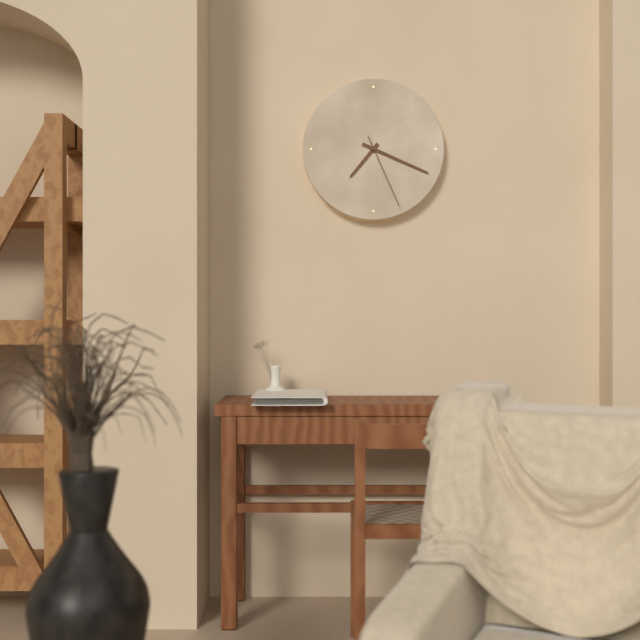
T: 7:19:26
